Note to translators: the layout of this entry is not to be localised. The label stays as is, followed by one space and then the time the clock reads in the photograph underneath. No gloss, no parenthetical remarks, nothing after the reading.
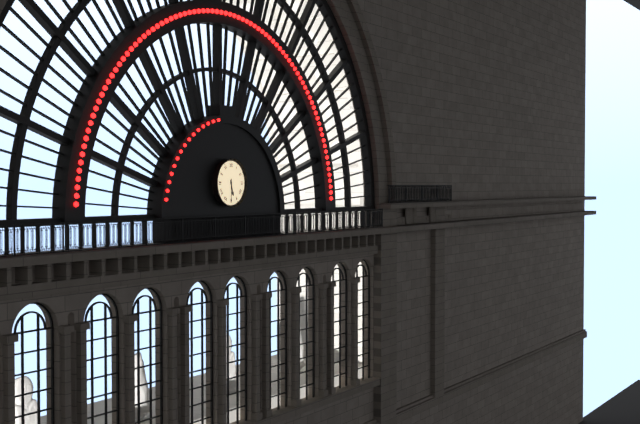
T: 5:30
